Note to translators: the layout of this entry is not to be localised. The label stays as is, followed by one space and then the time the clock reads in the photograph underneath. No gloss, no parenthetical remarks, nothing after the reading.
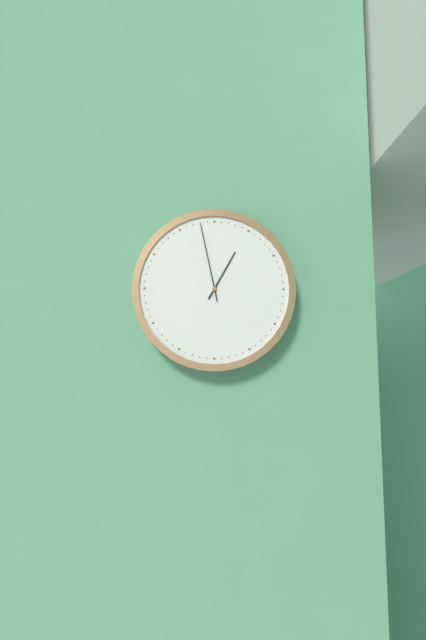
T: 12:58
